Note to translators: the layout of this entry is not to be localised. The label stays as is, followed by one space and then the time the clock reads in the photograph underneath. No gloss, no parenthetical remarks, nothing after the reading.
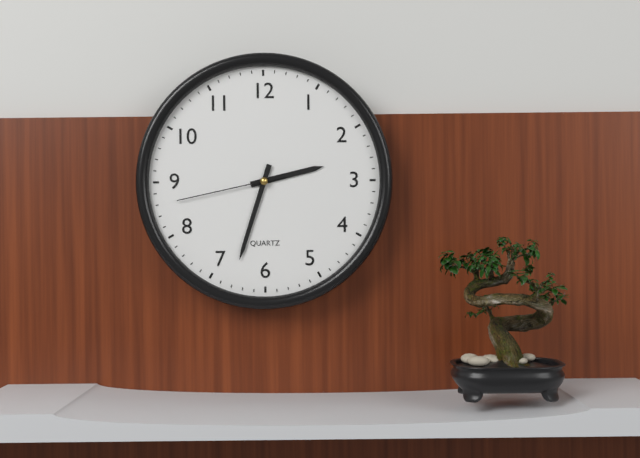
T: 2:33:43
